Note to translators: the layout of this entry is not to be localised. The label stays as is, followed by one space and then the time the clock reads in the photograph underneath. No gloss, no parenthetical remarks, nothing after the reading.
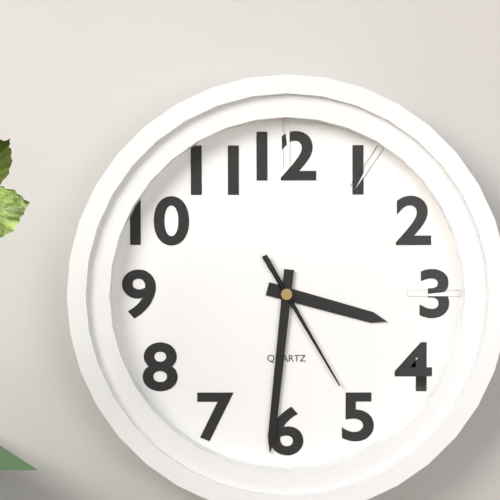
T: 3:31:25
